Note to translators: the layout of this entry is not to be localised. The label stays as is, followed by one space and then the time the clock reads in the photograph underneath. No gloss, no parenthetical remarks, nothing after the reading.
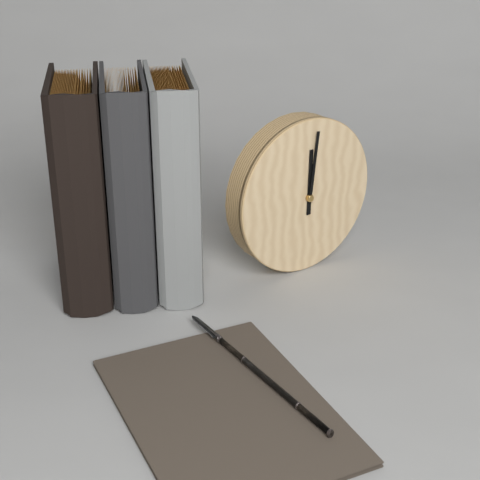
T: 12:01
